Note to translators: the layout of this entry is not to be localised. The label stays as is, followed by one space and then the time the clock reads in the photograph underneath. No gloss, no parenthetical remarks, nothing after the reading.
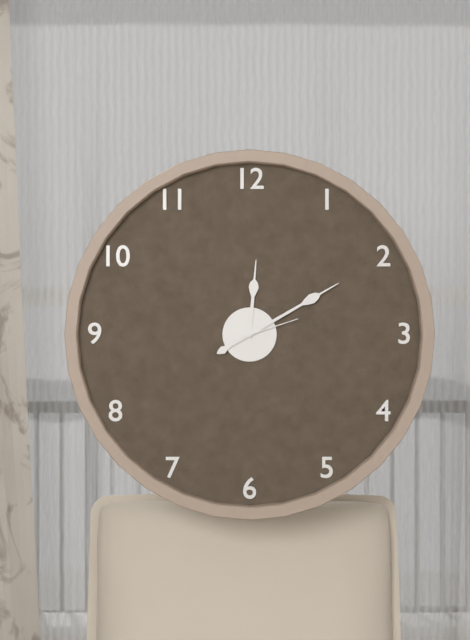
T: 12:10:12
